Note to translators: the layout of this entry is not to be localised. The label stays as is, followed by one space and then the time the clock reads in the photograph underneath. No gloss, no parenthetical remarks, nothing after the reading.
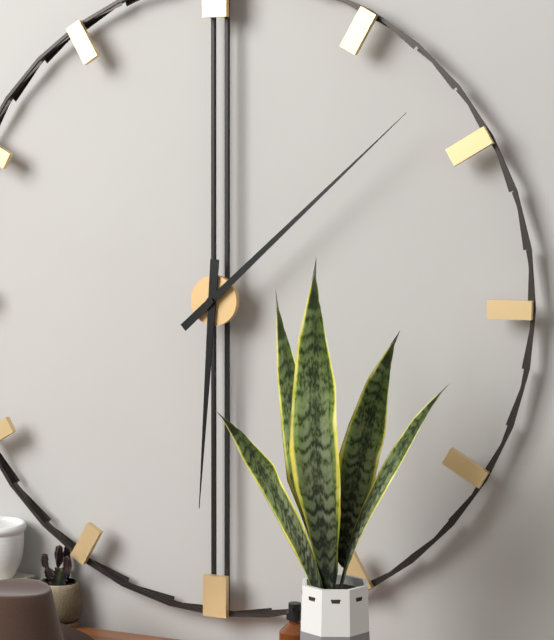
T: 6:08
